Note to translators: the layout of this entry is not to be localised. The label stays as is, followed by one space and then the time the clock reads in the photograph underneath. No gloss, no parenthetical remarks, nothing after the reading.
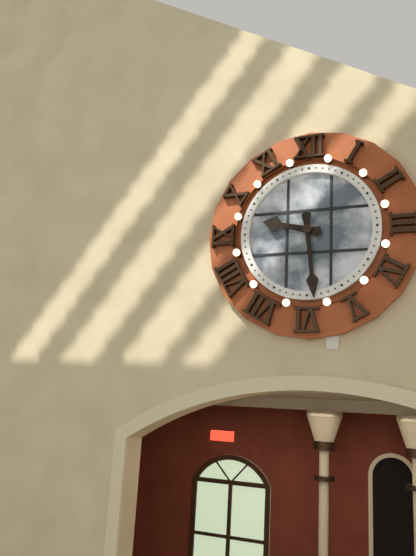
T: 9:29
